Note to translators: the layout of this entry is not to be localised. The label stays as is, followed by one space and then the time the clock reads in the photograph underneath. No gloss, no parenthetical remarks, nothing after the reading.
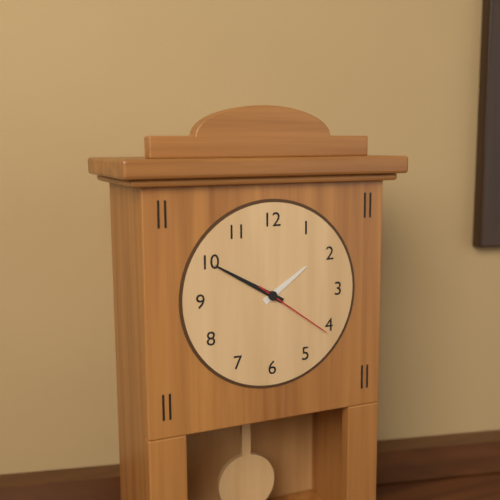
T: 1:50:21
